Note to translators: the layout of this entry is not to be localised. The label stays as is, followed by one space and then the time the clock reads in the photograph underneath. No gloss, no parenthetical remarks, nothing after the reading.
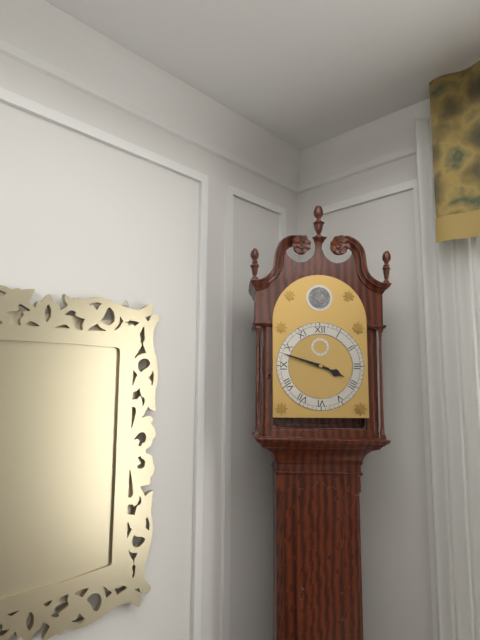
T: 3:48
